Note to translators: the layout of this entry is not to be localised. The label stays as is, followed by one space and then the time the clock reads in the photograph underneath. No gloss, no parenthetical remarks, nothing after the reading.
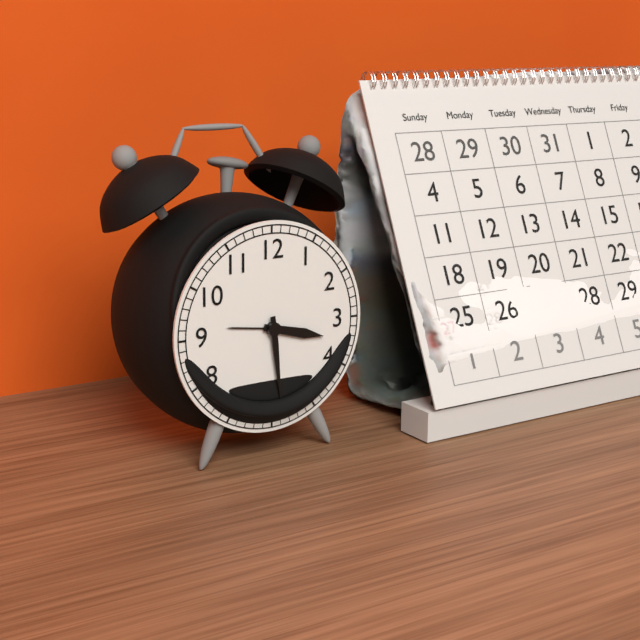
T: 3:29
